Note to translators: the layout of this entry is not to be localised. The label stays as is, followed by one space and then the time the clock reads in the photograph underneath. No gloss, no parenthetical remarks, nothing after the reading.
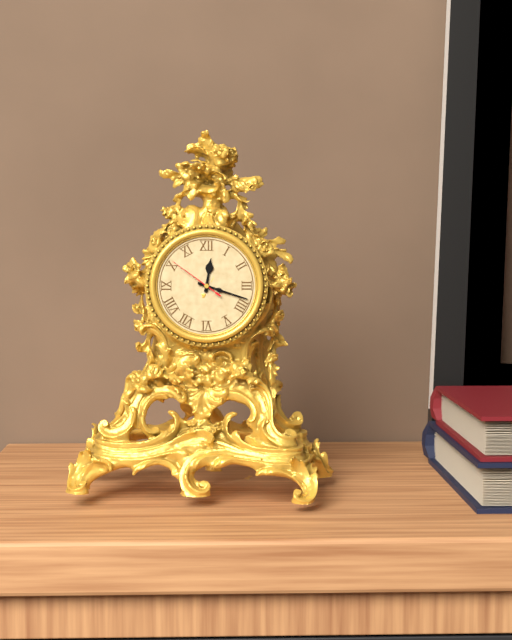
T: 12:18:51
